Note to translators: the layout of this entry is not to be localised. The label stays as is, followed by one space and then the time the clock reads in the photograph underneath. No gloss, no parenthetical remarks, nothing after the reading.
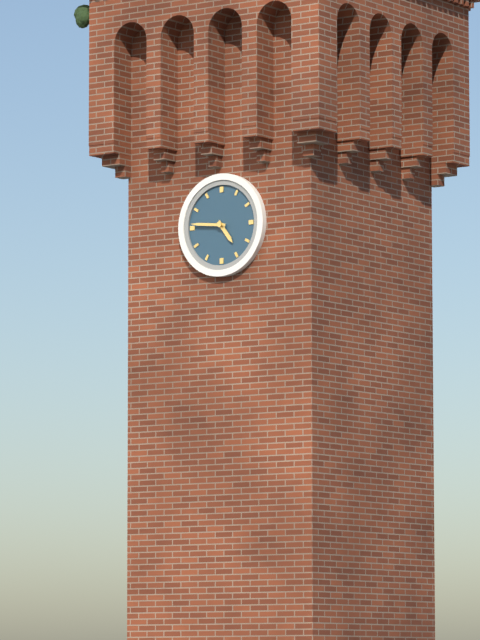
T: 4:46
